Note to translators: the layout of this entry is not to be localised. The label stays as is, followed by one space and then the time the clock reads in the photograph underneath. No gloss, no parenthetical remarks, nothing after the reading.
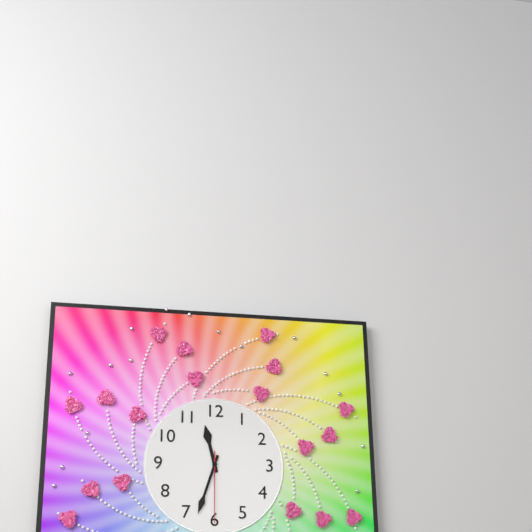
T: 11:33:30
